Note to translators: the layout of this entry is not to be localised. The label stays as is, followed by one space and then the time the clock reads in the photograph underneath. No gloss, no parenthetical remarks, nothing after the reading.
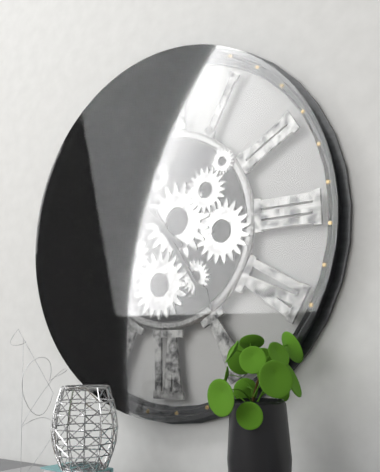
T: 4:52
